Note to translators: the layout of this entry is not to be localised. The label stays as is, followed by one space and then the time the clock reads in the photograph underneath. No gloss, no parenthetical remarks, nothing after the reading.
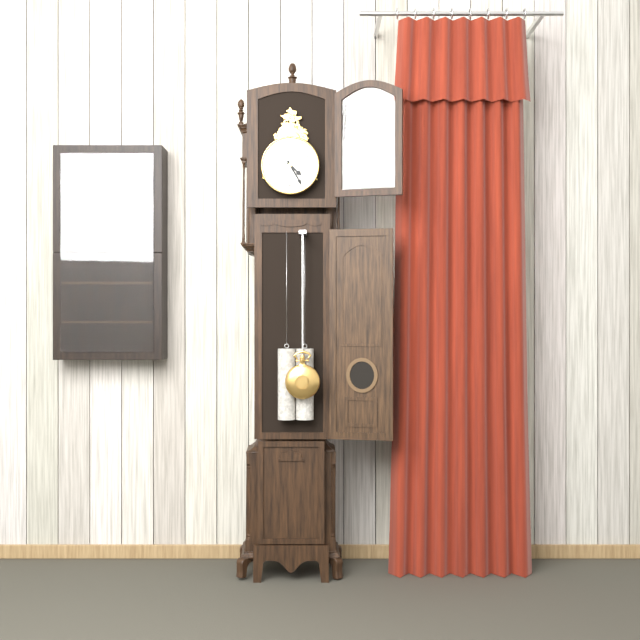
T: 4:25
